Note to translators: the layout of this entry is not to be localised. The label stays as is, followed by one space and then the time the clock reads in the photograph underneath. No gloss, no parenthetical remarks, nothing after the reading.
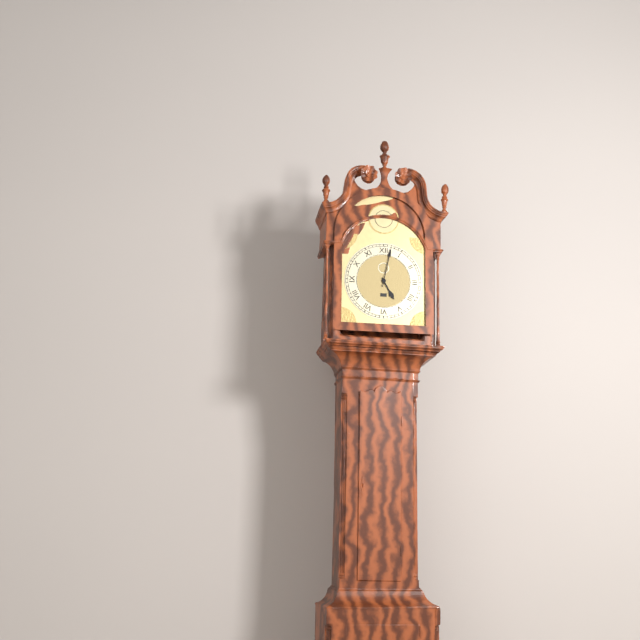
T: 5:02
